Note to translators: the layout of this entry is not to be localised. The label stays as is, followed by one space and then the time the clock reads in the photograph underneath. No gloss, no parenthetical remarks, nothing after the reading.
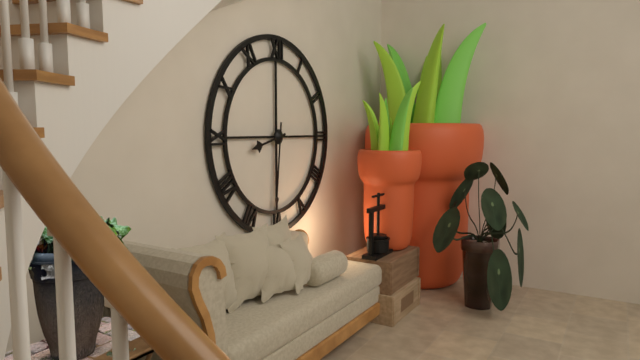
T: 8:31
